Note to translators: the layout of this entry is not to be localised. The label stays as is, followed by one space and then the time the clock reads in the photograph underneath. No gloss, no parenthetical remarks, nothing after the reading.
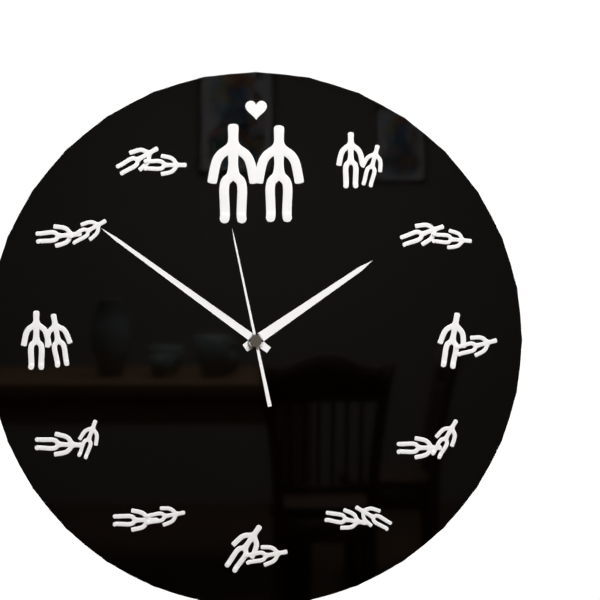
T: 1:51:58
